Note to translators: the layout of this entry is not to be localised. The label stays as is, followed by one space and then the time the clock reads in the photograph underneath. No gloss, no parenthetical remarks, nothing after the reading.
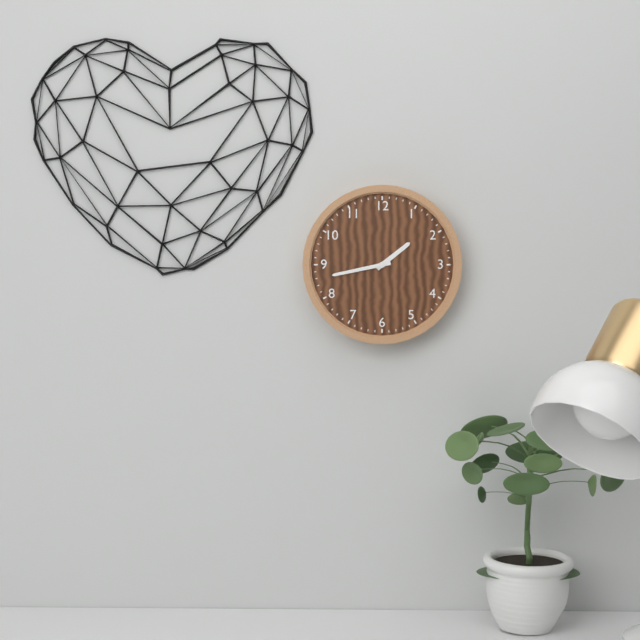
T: 1:43
